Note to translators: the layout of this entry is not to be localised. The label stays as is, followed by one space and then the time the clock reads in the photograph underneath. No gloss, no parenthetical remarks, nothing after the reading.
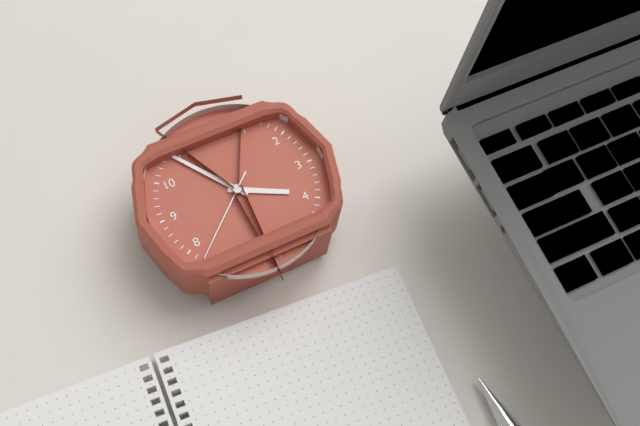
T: 3:54:38
